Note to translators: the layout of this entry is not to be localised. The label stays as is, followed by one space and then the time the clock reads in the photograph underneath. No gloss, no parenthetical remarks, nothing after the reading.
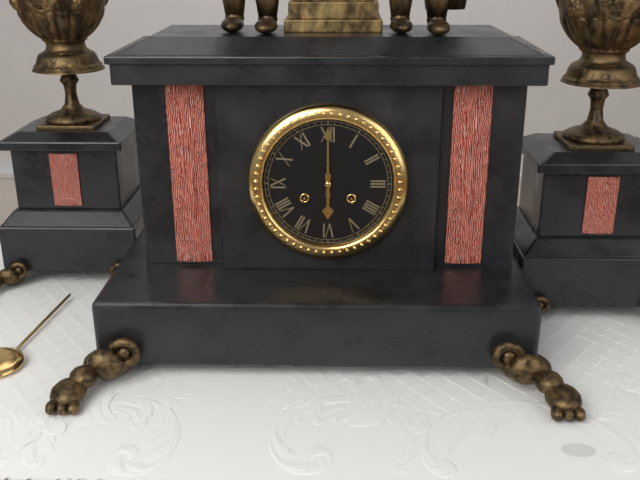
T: 6:00
